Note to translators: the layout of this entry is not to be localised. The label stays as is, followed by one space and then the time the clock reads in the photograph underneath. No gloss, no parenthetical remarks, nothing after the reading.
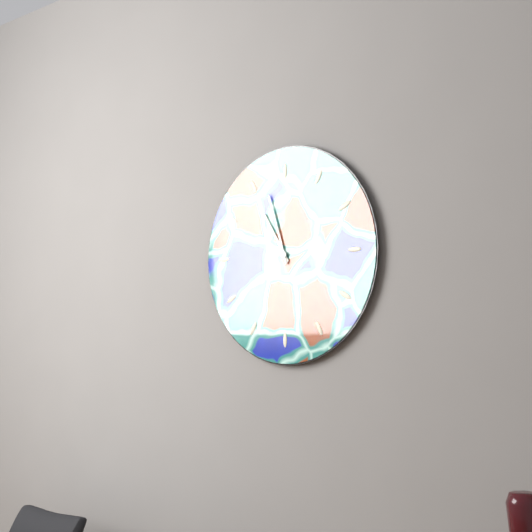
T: 10:57
